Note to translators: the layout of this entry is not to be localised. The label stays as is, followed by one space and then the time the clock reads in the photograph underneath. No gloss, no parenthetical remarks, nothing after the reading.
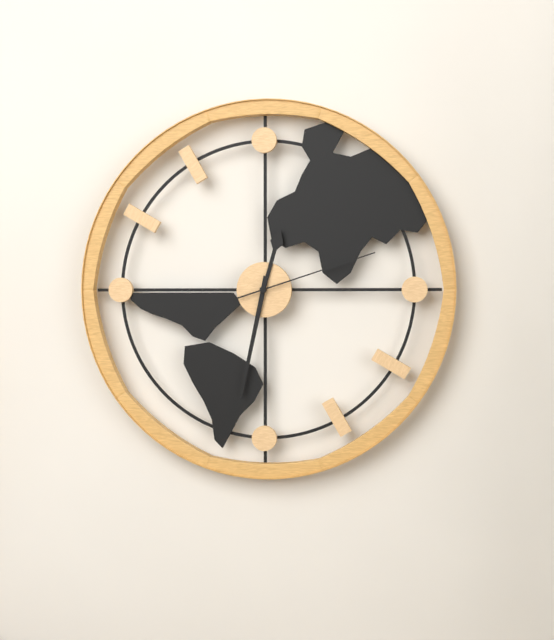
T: 12:32:12
